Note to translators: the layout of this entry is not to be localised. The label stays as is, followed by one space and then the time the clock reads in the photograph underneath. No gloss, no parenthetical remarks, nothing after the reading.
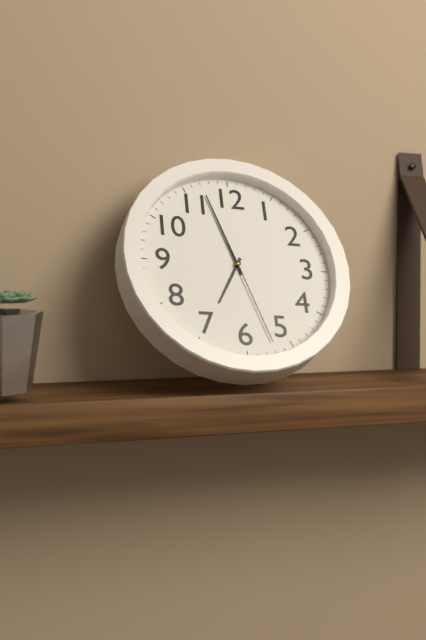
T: 6:57:27
